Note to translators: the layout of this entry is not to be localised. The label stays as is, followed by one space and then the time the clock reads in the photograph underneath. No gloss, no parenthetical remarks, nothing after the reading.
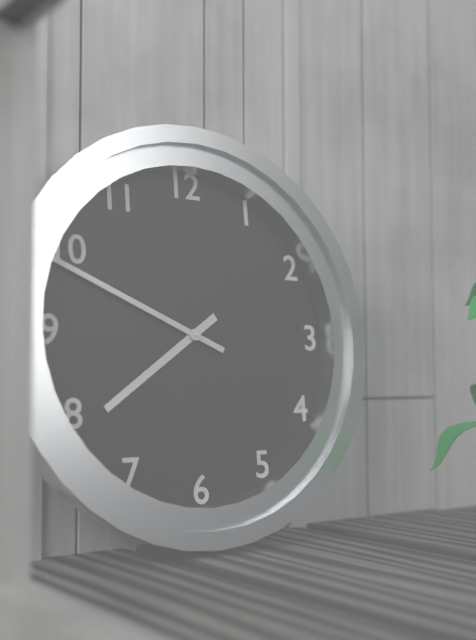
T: 7:49
